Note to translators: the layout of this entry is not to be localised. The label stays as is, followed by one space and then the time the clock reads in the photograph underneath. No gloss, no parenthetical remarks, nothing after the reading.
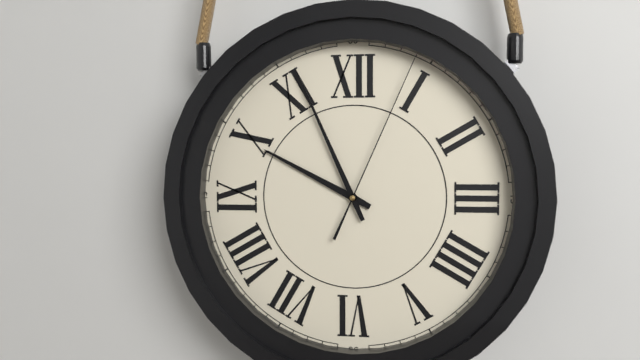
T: 9:56:04
